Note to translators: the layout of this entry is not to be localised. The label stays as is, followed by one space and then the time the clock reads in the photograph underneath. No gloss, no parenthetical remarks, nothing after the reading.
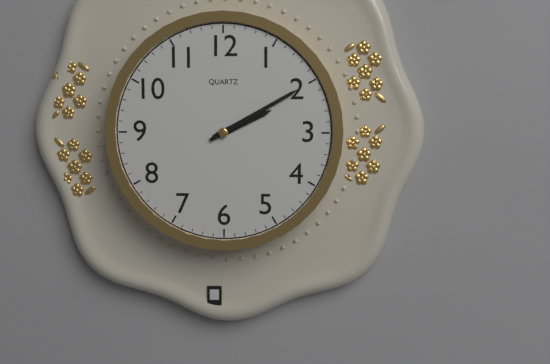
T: 2:10
